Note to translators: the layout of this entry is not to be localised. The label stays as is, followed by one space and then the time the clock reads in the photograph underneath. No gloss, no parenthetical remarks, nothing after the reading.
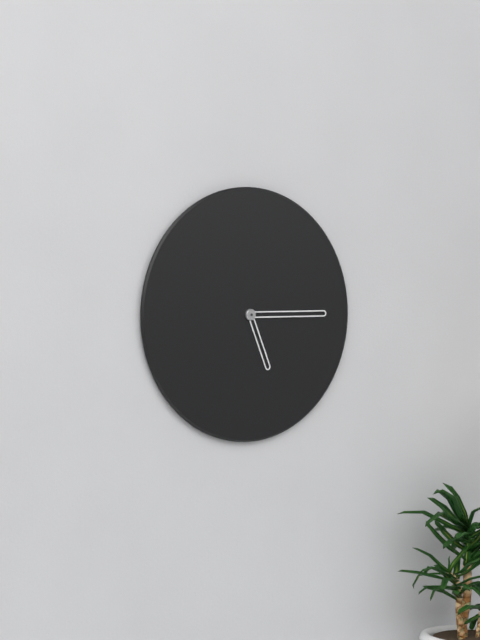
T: 5:15
